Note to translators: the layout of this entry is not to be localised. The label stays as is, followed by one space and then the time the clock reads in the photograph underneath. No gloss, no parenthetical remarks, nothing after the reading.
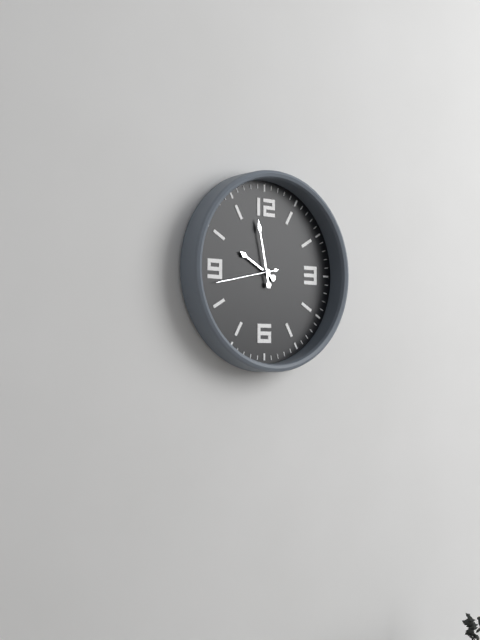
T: 9:58:43
